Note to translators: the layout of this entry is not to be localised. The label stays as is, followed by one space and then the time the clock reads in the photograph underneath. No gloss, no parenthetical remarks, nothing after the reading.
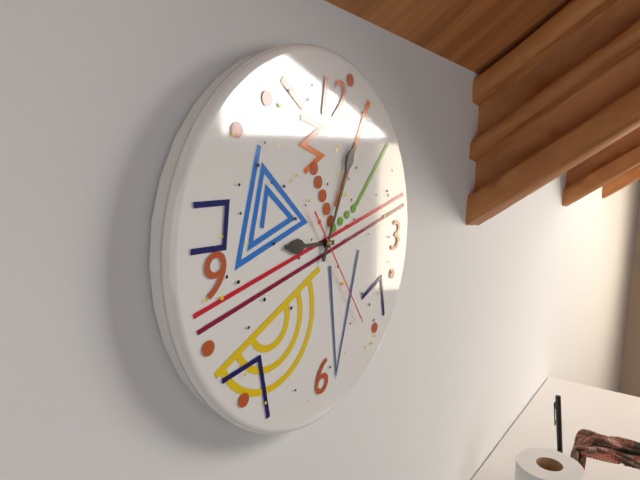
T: 9:04:24
